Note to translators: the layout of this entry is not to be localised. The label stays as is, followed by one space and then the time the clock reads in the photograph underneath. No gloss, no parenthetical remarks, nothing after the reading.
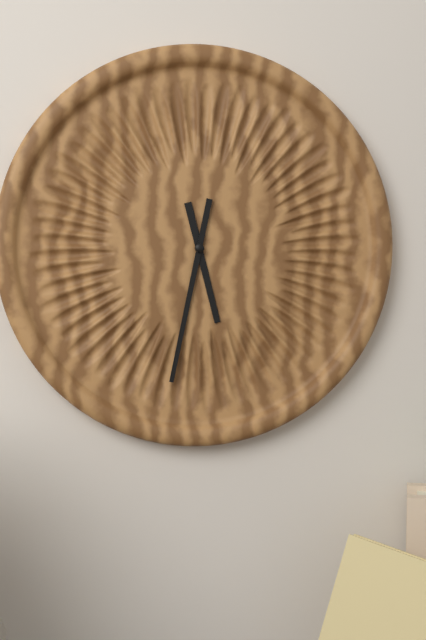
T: 5:32
